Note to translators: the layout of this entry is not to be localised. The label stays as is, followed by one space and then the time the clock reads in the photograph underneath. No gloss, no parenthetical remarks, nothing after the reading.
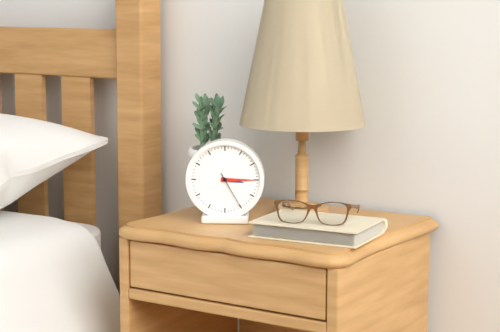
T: 3:15
